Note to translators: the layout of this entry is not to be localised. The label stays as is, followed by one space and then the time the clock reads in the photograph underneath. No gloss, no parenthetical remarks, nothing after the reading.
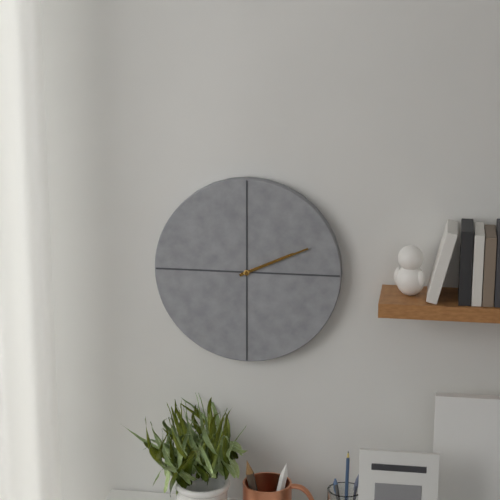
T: 2:11
